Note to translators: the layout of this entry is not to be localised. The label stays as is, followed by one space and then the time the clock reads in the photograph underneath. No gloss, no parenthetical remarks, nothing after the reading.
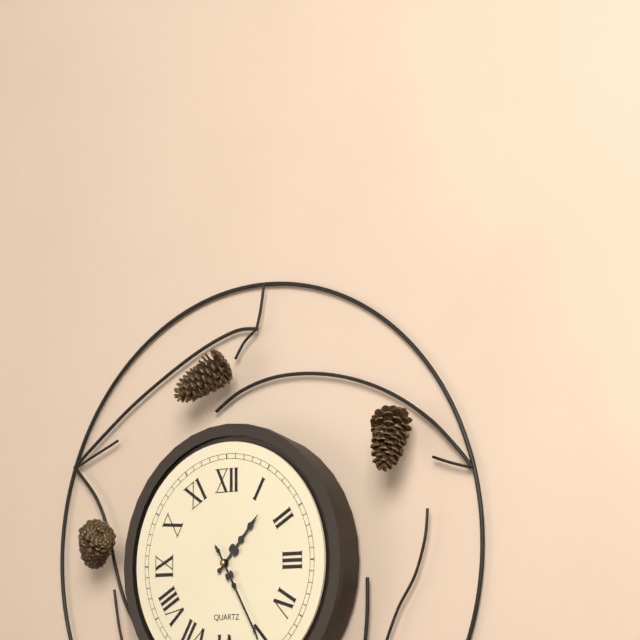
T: 1:25:25
